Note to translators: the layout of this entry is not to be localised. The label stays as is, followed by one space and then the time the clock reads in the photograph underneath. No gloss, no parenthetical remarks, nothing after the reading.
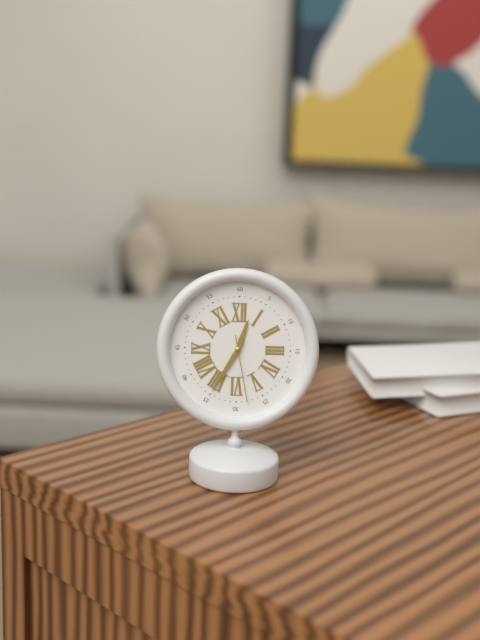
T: 12:35:28
